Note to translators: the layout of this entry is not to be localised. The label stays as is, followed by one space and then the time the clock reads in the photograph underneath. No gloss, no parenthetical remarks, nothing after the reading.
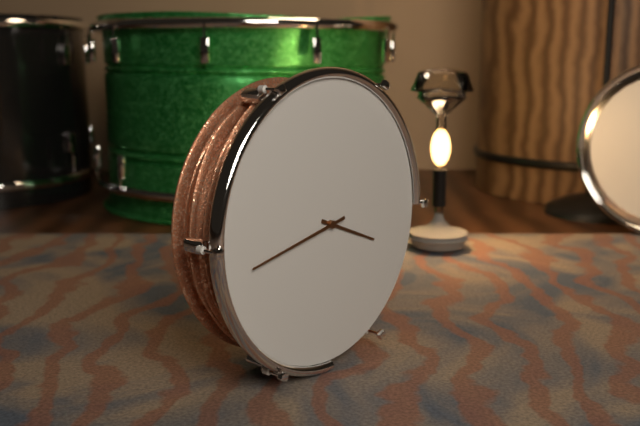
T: 3:43
